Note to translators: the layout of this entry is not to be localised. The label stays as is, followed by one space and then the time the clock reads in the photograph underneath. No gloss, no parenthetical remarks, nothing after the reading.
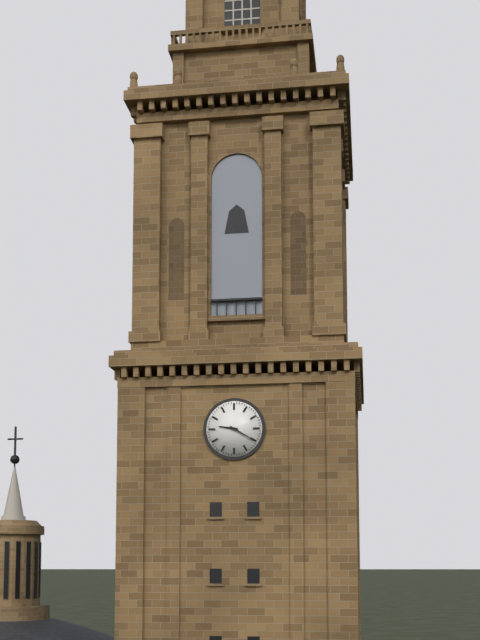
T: 9:20
